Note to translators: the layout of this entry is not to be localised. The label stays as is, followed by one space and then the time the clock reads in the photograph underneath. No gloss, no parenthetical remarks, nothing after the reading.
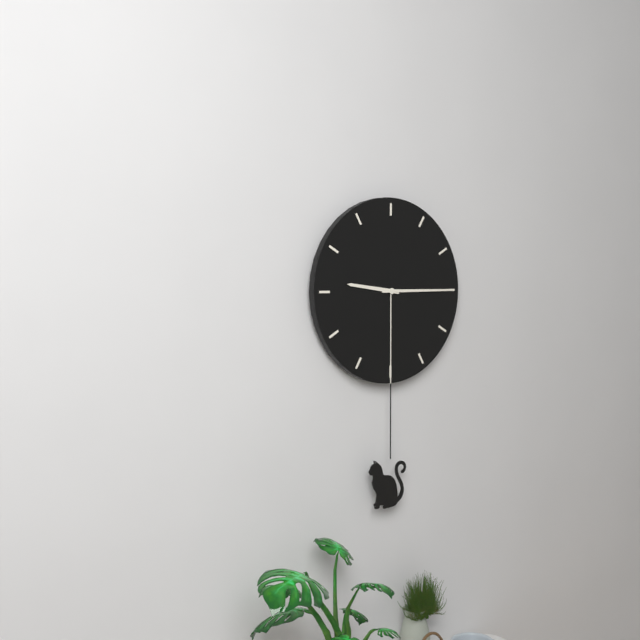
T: 9:15
